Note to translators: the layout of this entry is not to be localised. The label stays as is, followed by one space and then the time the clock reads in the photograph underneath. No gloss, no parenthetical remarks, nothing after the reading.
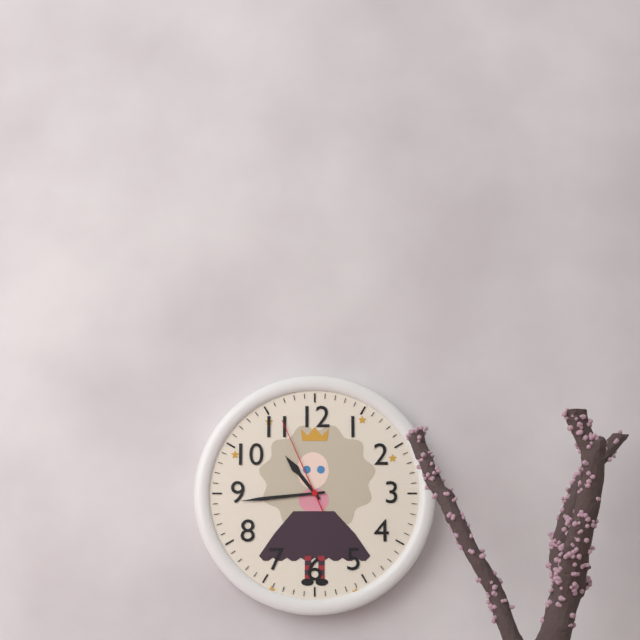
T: 10:44:56
